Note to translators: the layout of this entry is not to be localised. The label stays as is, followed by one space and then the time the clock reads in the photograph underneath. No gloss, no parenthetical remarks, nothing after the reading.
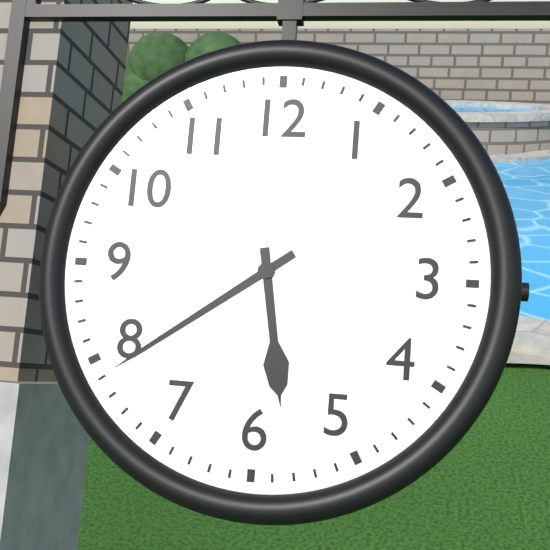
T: 5:39
